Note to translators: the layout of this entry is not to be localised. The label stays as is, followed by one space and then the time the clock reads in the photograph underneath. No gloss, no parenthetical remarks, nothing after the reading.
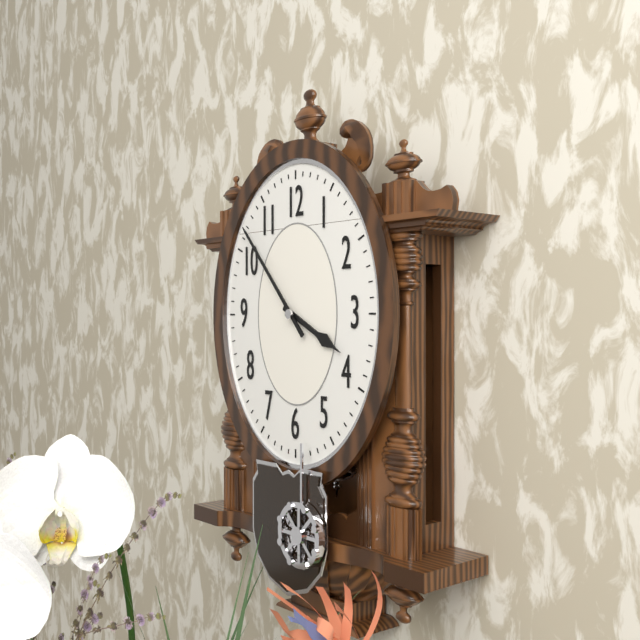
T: 3:53
